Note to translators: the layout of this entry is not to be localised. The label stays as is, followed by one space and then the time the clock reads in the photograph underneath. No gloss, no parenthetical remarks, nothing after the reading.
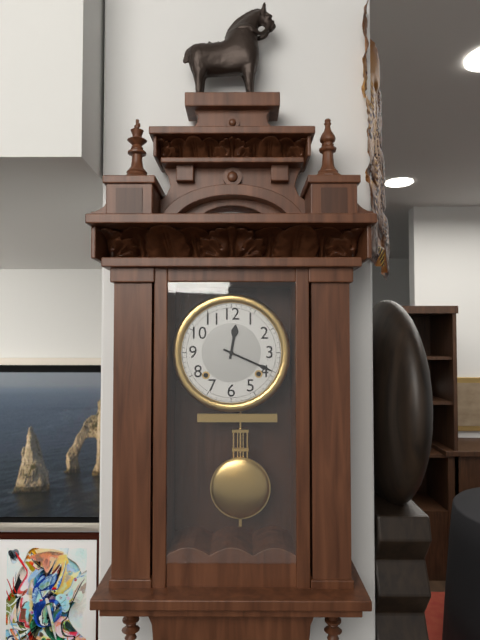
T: 12:19
